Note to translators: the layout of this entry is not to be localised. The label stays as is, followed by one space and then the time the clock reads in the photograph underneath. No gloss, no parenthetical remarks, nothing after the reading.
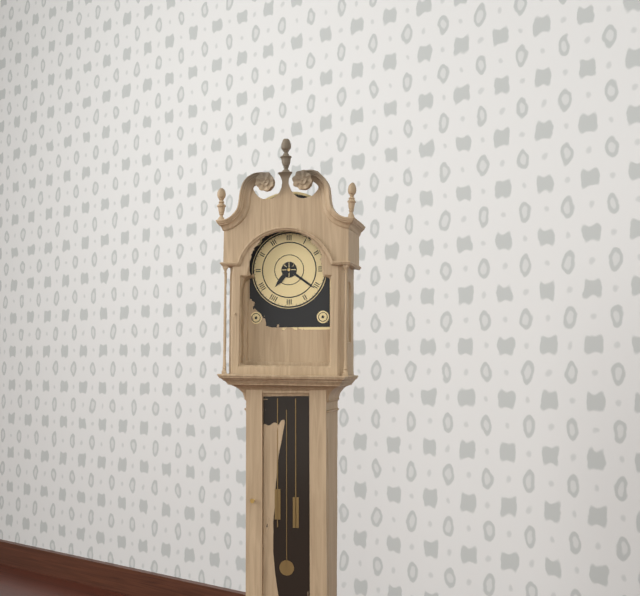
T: 7:21
